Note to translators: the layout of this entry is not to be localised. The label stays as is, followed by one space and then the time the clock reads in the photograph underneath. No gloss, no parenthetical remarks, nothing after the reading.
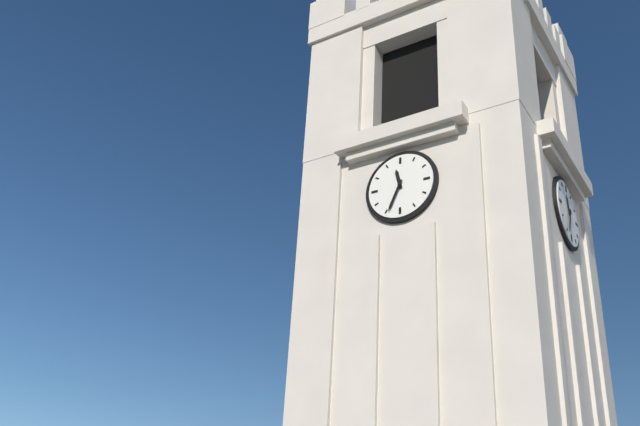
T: 11:34
